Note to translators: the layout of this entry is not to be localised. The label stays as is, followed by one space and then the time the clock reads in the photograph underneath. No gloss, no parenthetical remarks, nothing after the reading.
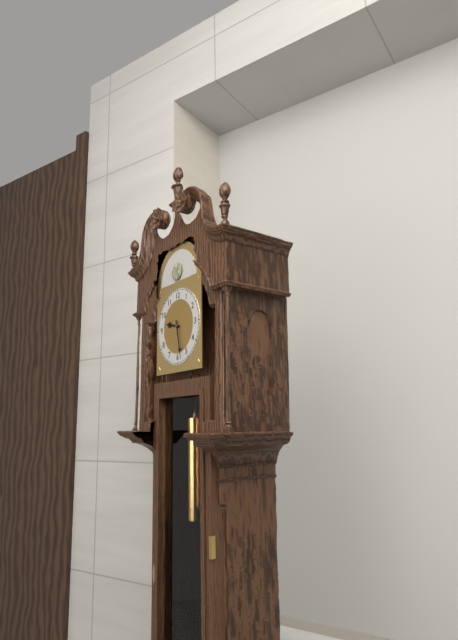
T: 9:28
